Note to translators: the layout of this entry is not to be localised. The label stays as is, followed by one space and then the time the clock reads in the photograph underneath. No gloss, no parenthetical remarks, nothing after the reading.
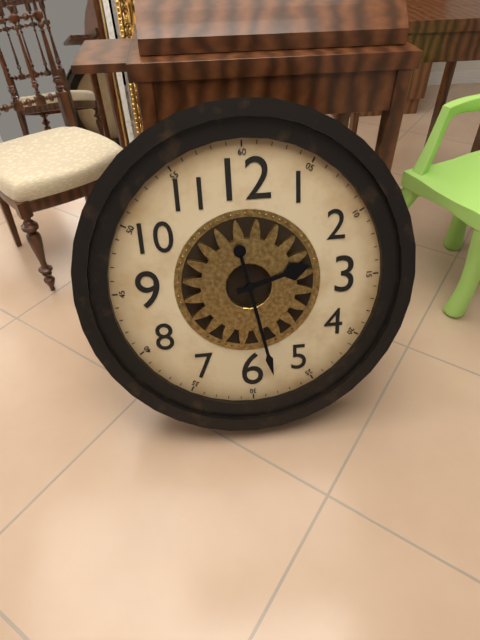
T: 2:28
